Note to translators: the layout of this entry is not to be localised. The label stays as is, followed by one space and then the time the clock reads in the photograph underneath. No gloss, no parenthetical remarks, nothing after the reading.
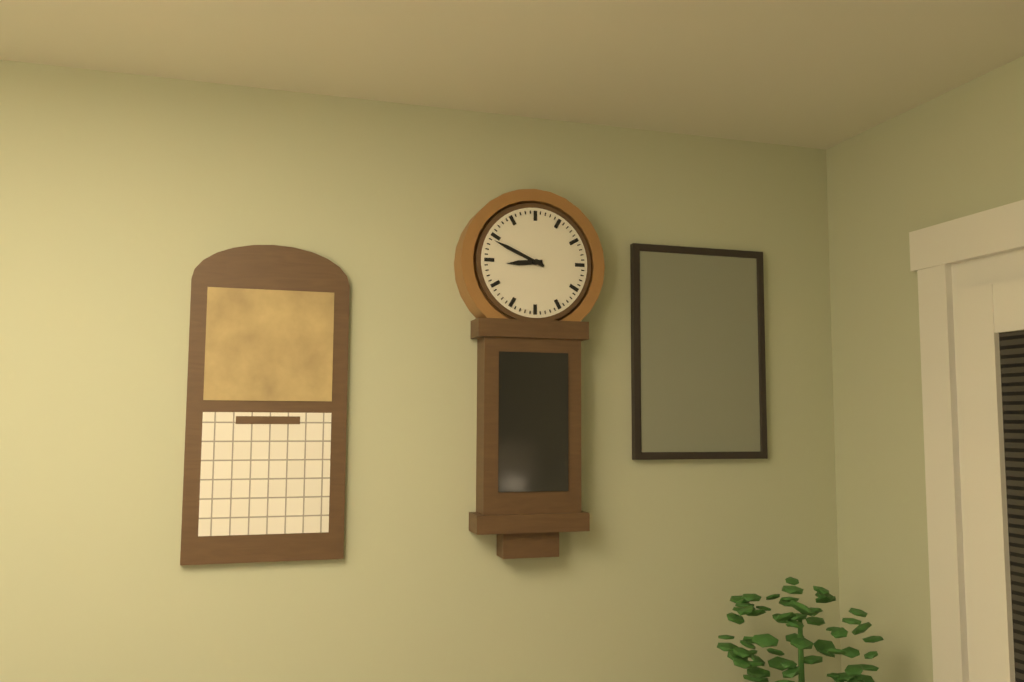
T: 8:49
